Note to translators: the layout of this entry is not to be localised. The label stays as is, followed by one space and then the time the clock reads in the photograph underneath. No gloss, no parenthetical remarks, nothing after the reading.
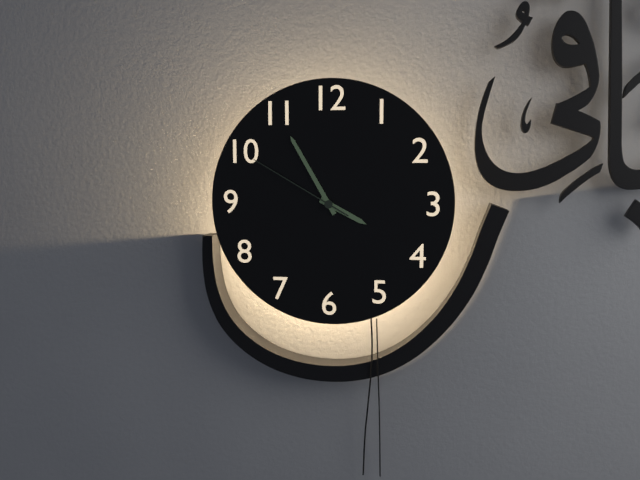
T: 3:55:50
